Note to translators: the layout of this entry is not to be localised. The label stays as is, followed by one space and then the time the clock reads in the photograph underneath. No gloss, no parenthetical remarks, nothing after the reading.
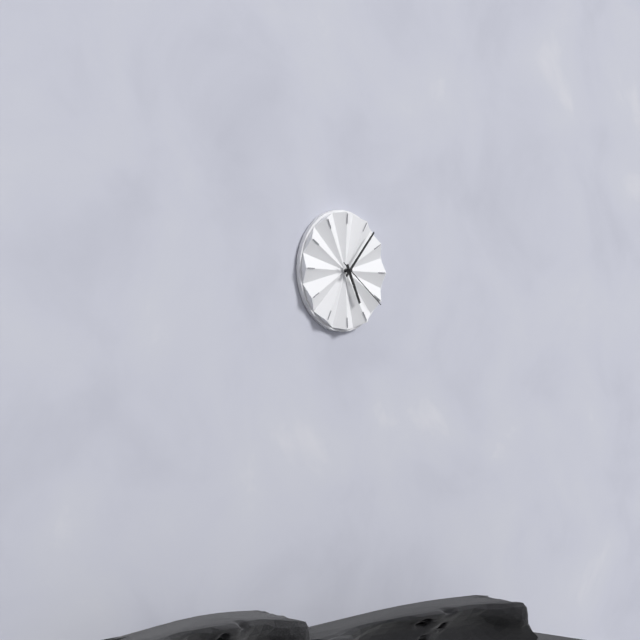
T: 5:07:21
